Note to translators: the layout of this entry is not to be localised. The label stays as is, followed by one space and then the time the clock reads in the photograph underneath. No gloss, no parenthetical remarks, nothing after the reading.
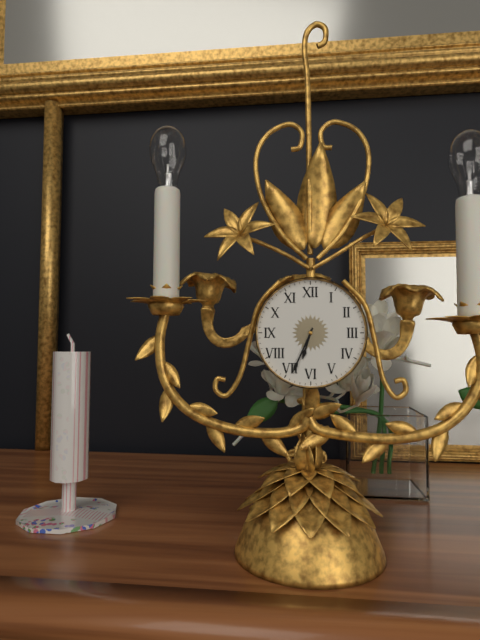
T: 6:34
